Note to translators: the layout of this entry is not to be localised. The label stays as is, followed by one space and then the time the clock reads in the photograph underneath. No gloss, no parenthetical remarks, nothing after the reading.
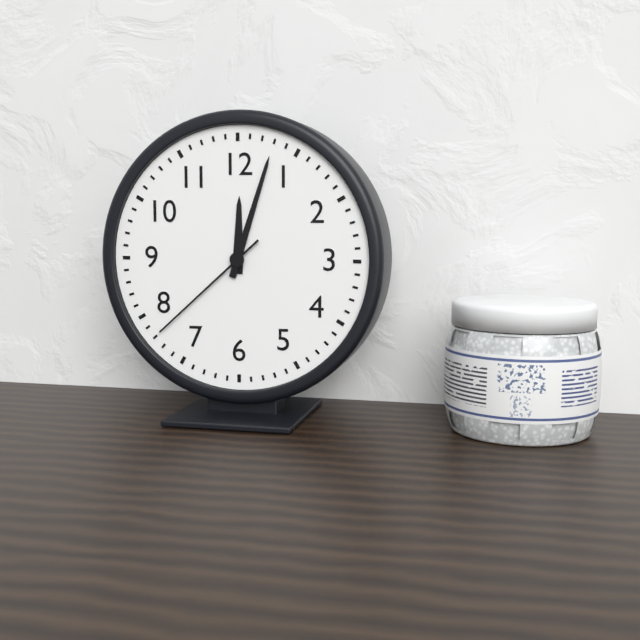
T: 12:03:38
